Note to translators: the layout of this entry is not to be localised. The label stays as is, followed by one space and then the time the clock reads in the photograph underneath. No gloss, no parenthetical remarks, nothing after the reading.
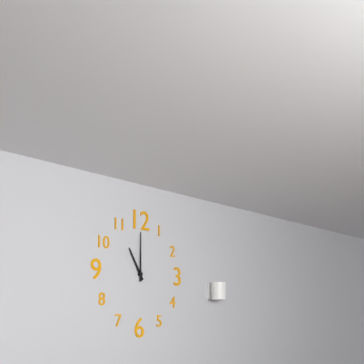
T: 11:00
